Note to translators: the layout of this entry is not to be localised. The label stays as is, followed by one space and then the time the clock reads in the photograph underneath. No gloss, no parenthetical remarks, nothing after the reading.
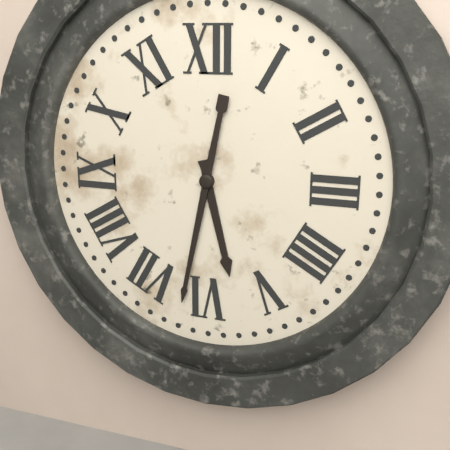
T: 5:32
